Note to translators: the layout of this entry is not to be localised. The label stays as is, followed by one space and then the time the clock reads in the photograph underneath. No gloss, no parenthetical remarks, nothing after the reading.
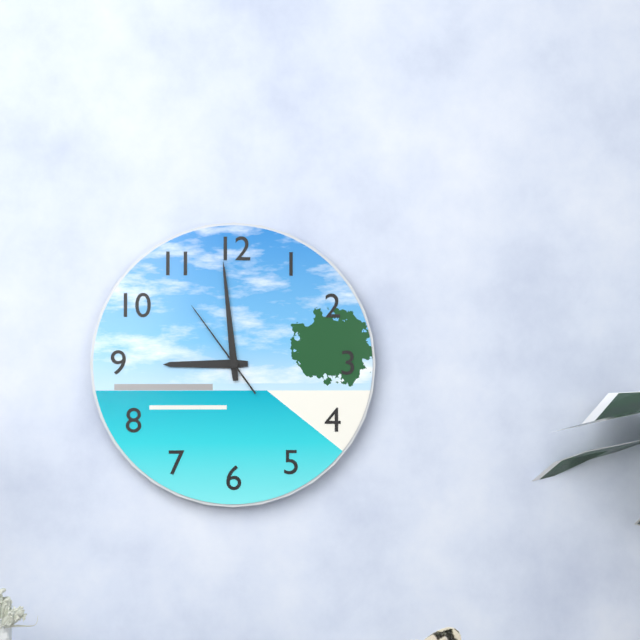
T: 8:59:54
